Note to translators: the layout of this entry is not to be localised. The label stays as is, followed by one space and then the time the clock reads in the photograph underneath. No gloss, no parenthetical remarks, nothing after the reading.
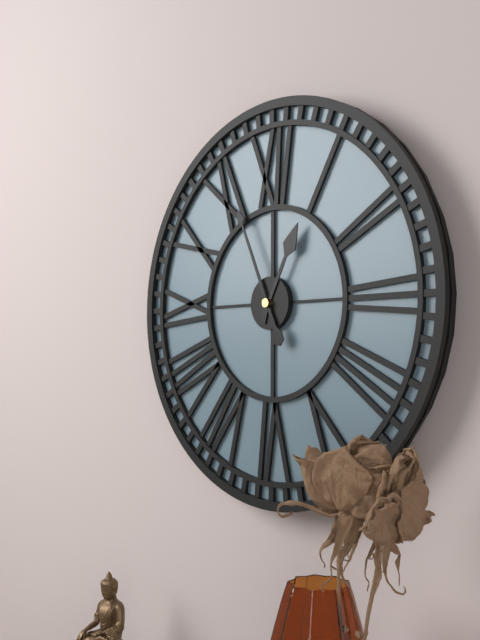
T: 12:56
